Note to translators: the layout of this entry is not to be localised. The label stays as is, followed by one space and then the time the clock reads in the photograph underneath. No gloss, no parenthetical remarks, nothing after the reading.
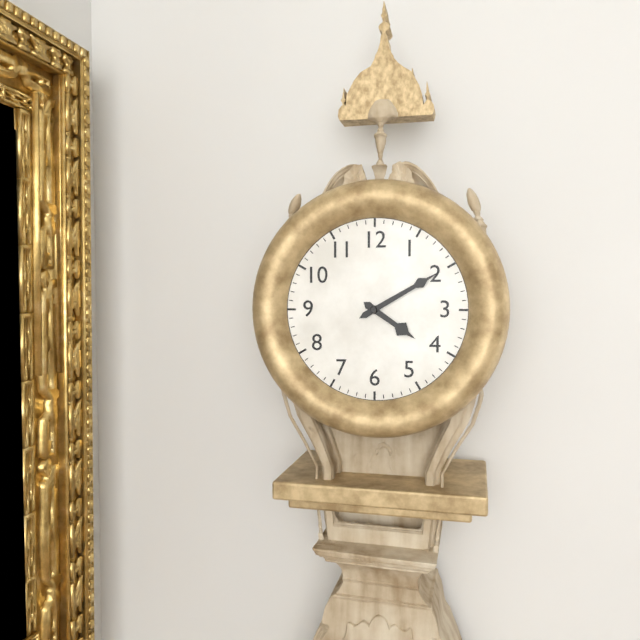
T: 4:10
